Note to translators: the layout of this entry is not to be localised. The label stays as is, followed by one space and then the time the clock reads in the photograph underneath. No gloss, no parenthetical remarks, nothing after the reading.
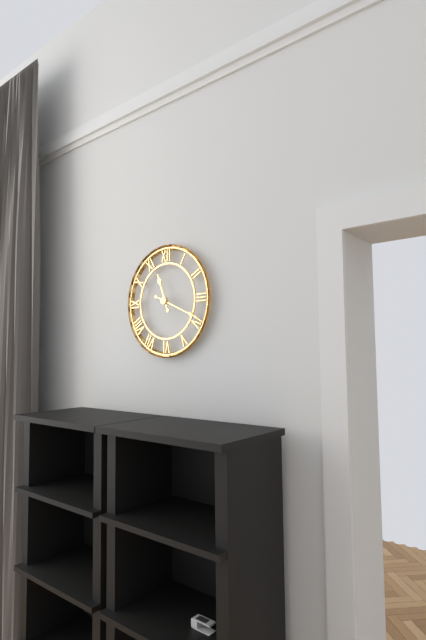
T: 11:19
